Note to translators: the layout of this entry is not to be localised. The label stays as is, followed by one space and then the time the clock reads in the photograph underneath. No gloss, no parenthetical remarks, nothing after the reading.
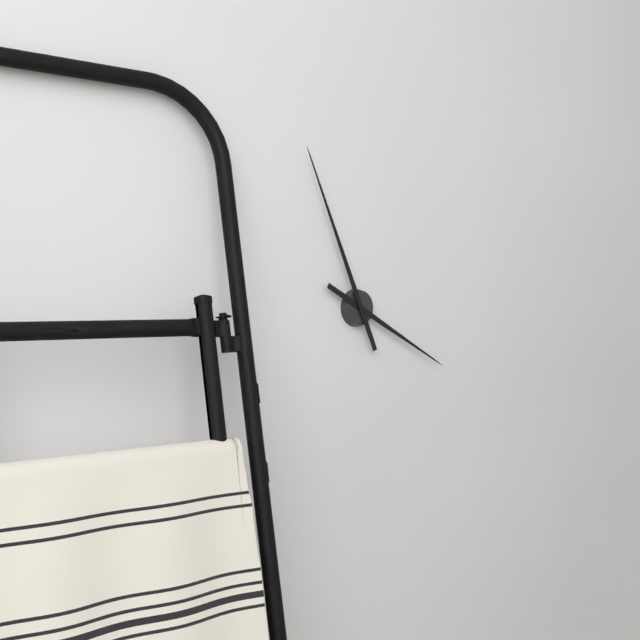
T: 3:56
